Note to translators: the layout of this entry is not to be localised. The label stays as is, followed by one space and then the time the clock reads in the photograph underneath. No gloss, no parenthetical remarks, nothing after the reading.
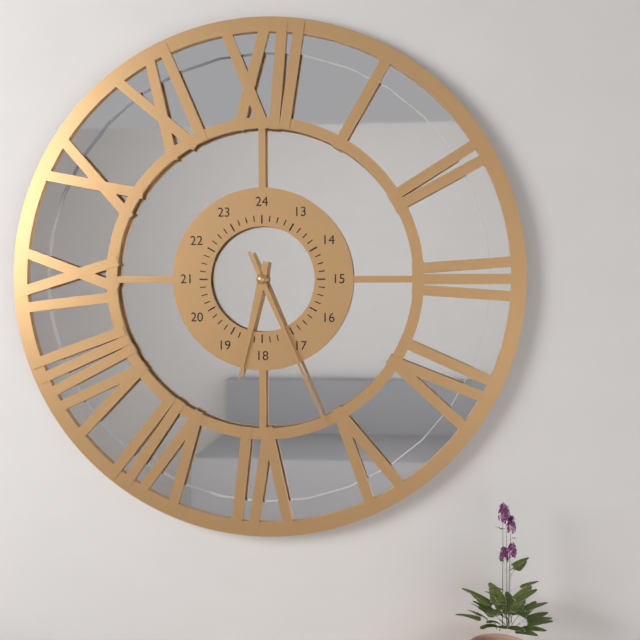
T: 6:26
